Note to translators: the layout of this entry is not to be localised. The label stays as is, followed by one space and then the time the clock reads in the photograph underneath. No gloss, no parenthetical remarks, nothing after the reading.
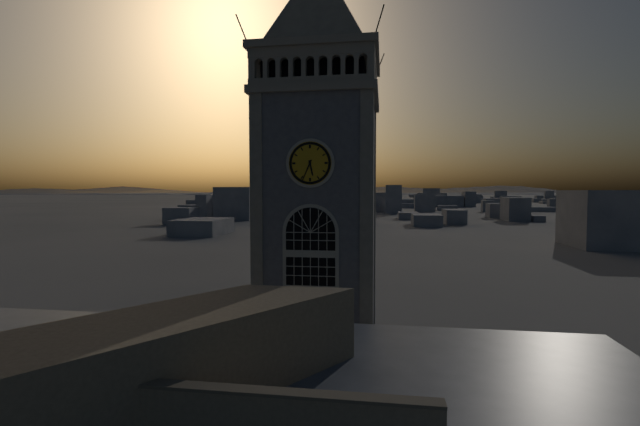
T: 5:34
